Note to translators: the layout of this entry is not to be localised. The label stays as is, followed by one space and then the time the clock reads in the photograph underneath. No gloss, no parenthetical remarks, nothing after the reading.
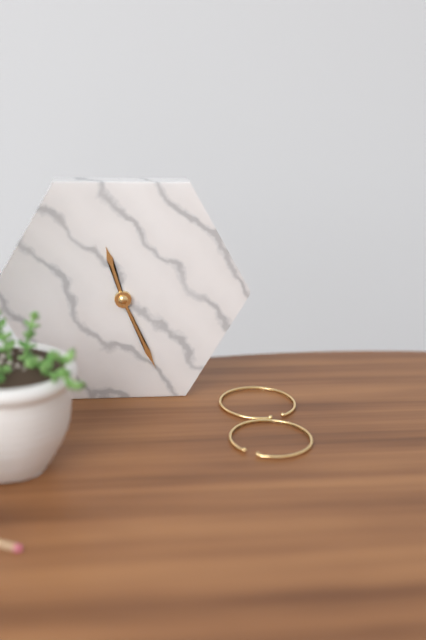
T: 11:26
